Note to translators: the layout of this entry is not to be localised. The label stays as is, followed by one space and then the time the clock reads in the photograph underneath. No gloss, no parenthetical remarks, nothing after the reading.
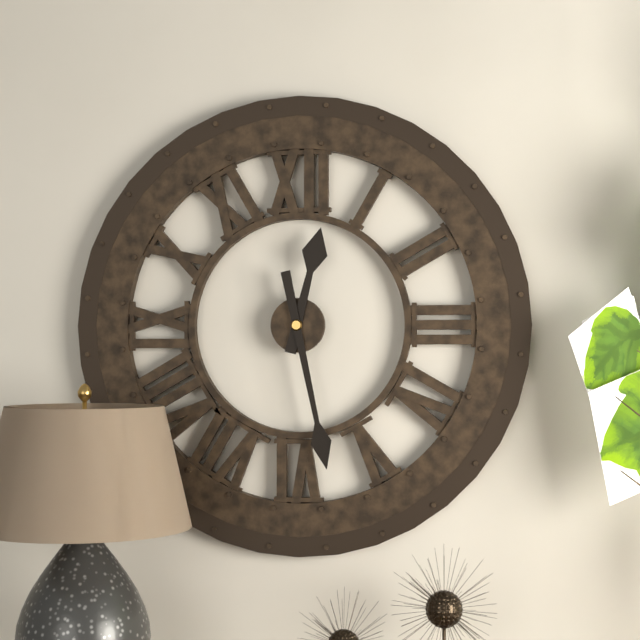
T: 12:28
